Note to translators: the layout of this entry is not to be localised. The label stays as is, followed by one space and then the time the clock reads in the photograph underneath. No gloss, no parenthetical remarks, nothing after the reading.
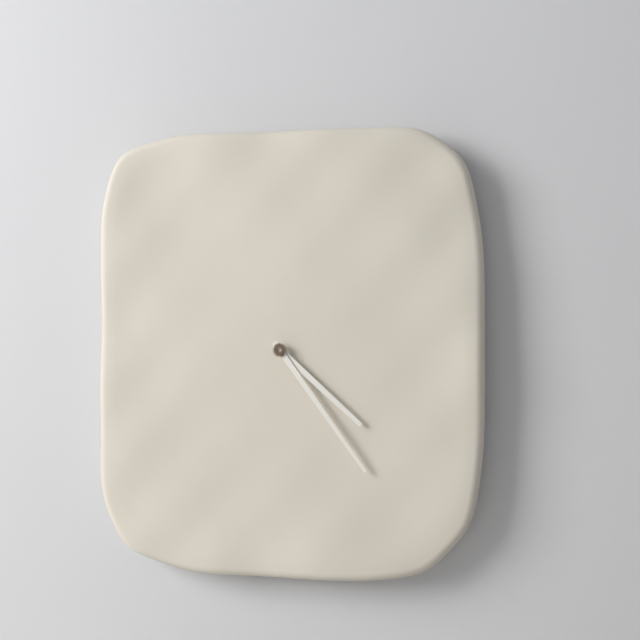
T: 4:24
